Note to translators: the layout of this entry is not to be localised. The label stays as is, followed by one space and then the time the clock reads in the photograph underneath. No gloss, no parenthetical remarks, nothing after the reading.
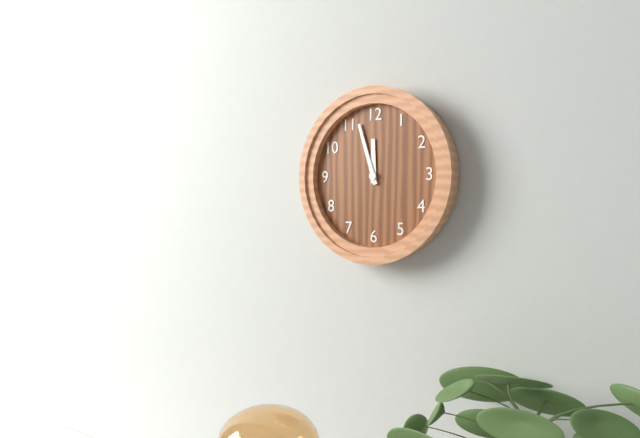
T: 11:57
